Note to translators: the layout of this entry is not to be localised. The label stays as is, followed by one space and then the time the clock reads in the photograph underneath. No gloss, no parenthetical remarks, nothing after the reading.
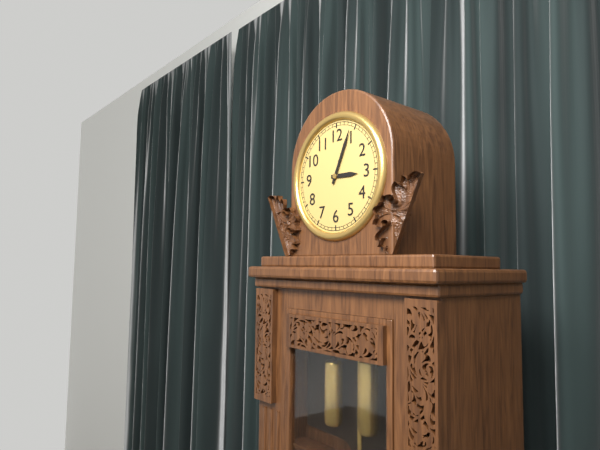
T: 3:04
